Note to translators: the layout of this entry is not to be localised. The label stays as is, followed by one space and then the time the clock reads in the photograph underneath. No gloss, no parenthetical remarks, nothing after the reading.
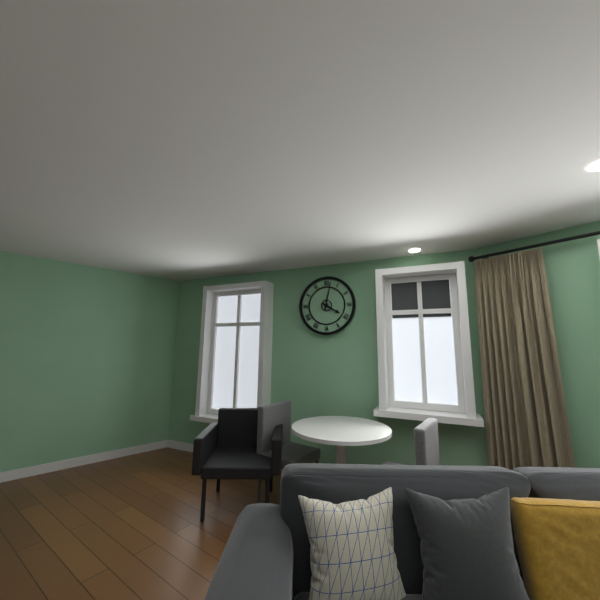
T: 4:02
